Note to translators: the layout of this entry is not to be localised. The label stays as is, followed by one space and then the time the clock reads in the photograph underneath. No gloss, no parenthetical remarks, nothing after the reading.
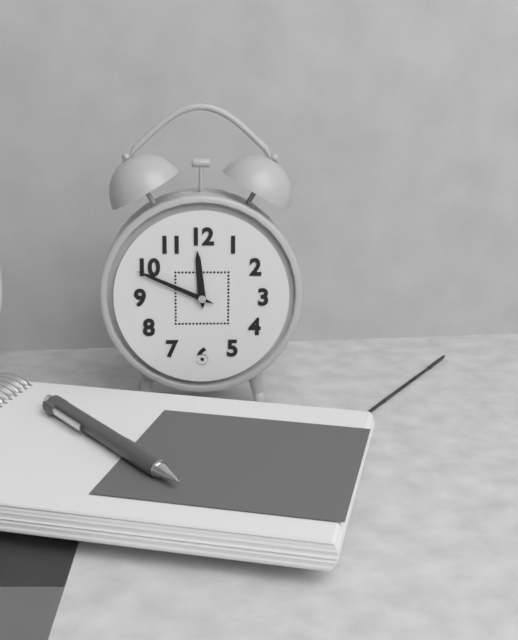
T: 11:49
